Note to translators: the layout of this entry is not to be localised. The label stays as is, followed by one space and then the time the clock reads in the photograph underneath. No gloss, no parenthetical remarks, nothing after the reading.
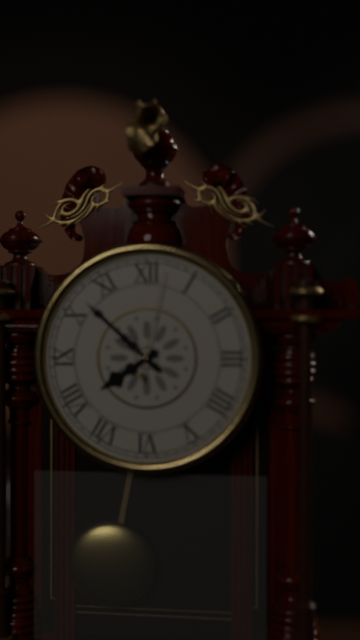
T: 7:52:02
